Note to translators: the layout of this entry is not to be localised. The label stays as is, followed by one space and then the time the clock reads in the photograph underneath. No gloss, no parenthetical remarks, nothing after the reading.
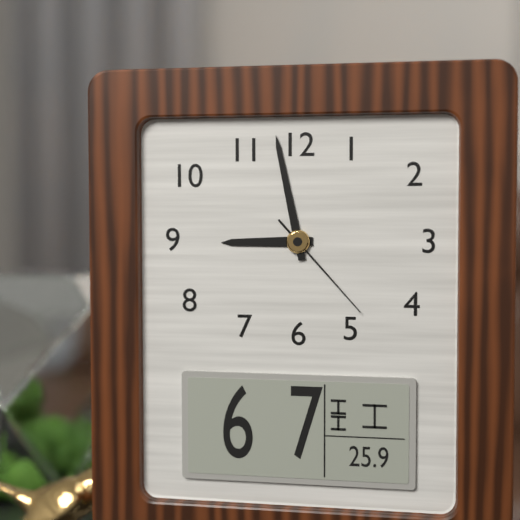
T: 8:58:23
